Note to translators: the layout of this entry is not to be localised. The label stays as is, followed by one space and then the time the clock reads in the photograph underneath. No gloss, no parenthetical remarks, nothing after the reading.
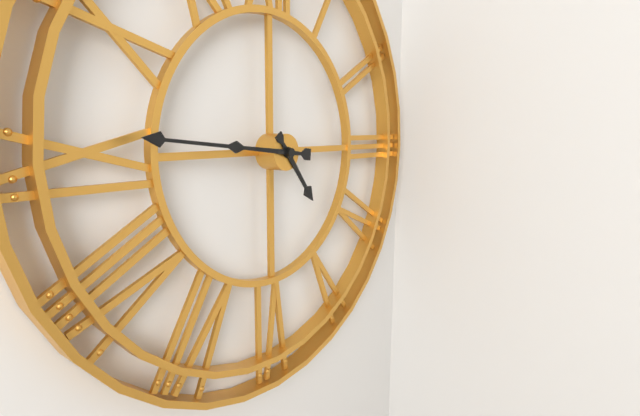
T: 4:46
